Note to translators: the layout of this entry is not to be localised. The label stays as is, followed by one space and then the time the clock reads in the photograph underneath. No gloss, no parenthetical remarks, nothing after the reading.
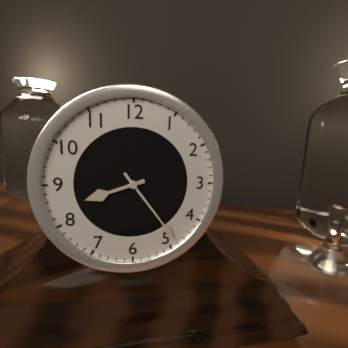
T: 8:24
